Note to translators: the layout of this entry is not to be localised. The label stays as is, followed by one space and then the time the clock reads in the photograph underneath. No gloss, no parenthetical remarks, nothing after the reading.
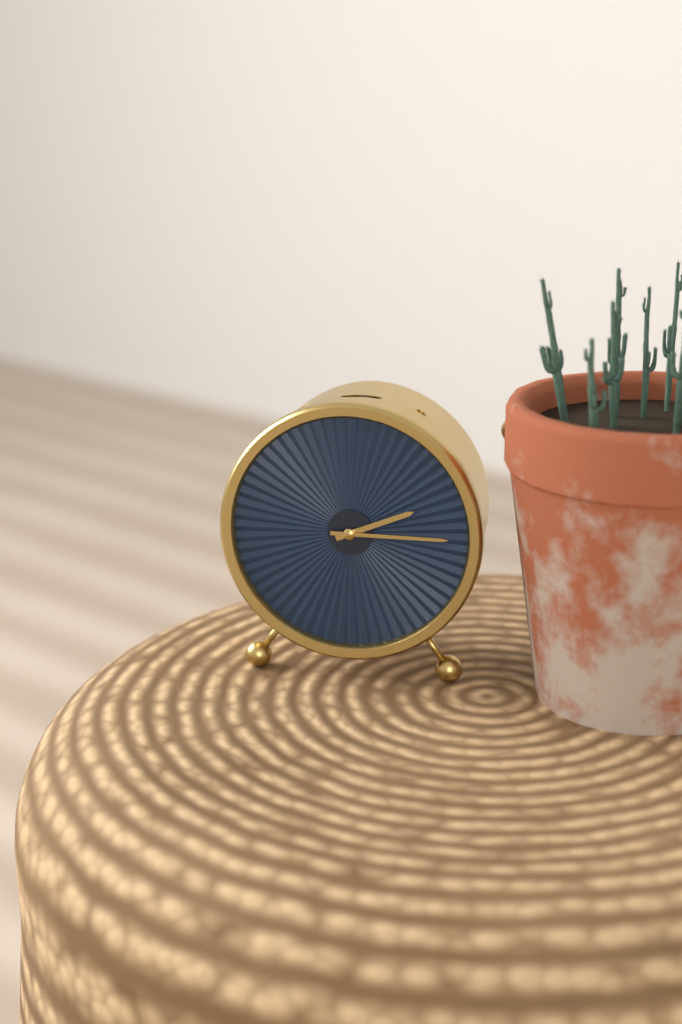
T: 2:15
